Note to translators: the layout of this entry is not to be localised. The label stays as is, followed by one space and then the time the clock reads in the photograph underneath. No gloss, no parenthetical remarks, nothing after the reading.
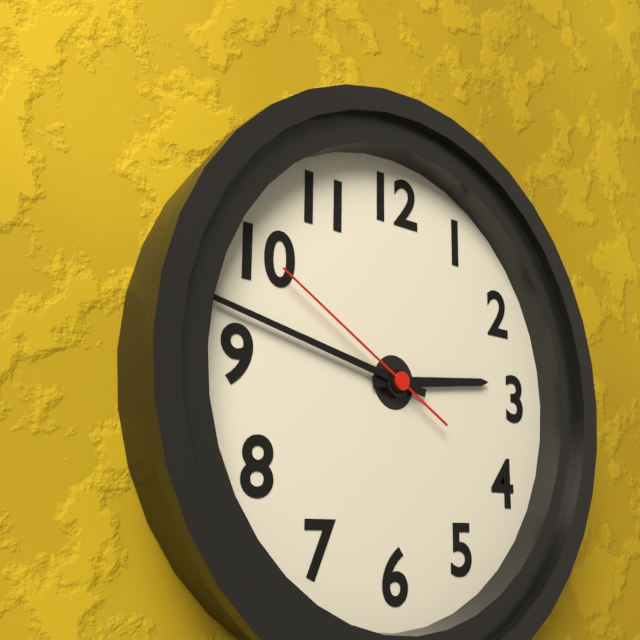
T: 2:47:50
